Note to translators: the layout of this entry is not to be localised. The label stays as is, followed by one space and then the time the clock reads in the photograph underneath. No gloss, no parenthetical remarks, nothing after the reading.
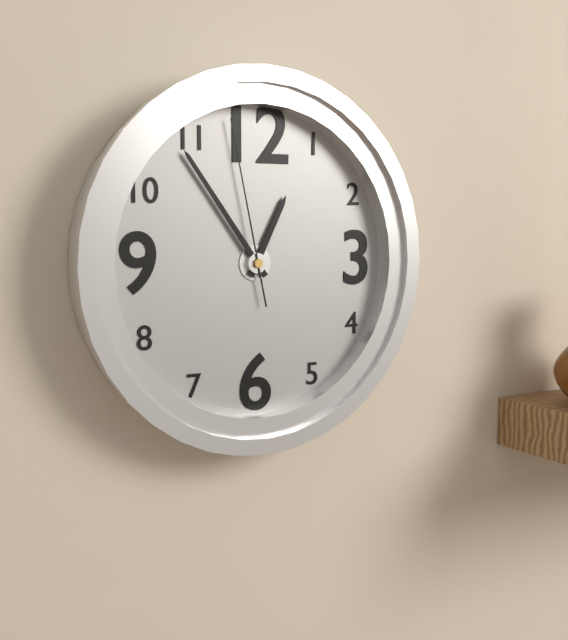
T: 12:54:58
